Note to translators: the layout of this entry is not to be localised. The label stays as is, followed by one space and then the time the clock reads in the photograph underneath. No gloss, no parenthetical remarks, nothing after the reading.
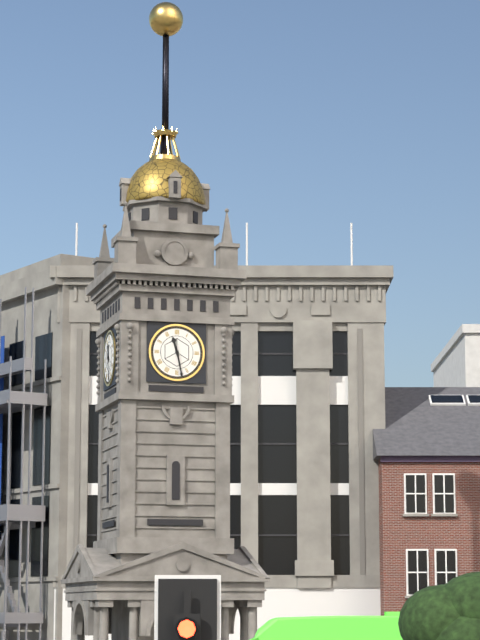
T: 11:28
